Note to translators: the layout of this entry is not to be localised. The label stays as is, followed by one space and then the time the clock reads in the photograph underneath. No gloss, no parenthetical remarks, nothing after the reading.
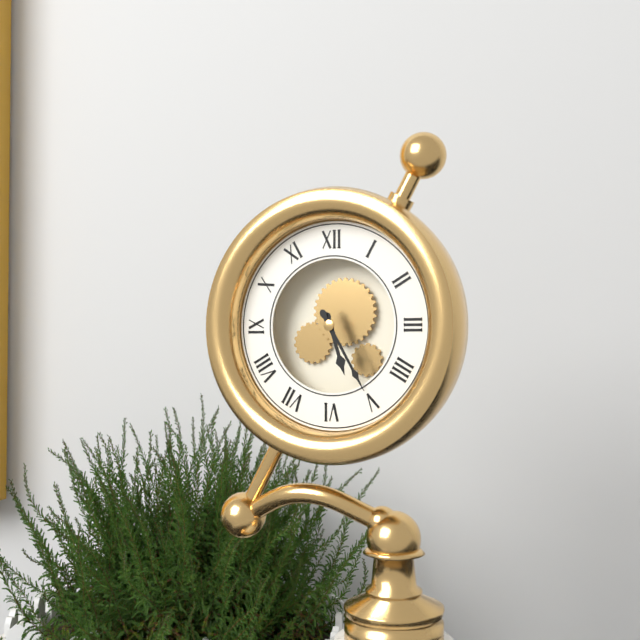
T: 5:25
